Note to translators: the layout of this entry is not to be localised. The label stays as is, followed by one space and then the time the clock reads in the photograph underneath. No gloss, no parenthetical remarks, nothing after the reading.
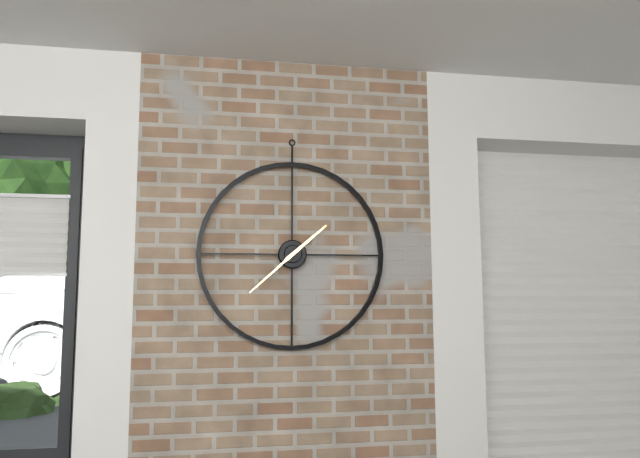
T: 1:38
